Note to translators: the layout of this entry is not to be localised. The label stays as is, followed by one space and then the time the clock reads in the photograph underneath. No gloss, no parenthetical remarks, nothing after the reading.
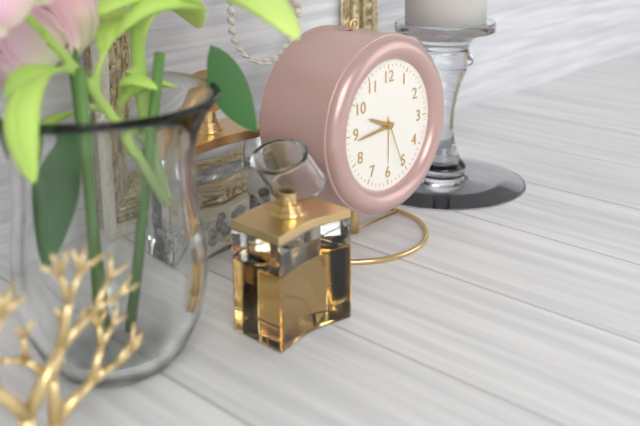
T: 9:44:26
